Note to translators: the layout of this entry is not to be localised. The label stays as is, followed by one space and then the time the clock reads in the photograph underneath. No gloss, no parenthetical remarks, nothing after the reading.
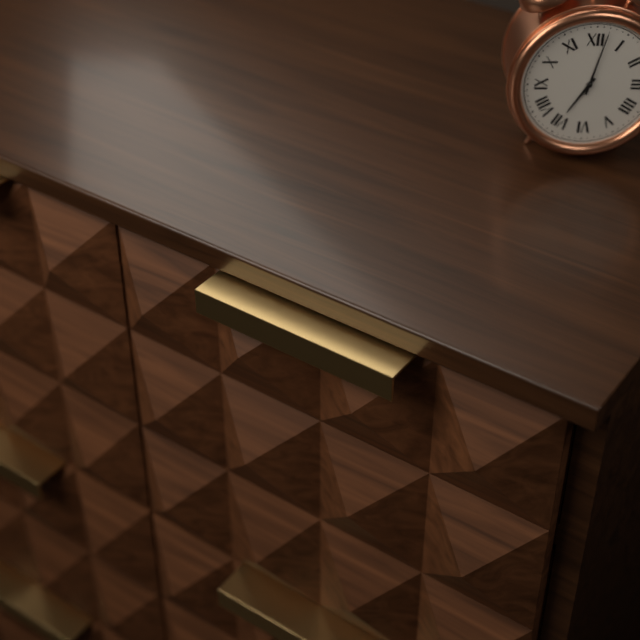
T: 7:02
